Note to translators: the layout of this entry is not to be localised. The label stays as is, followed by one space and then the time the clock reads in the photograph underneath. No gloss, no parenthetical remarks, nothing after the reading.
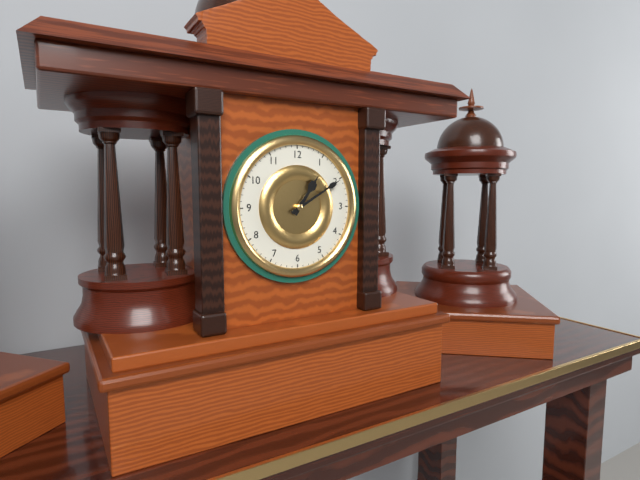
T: 1:10
